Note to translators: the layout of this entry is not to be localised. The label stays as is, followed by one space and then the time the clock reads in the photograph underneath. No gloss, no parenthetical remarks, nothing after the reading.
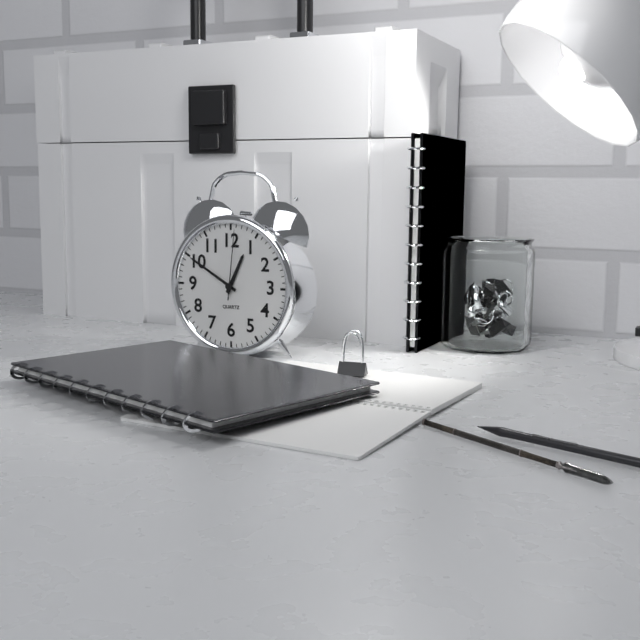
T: 12:50:01
